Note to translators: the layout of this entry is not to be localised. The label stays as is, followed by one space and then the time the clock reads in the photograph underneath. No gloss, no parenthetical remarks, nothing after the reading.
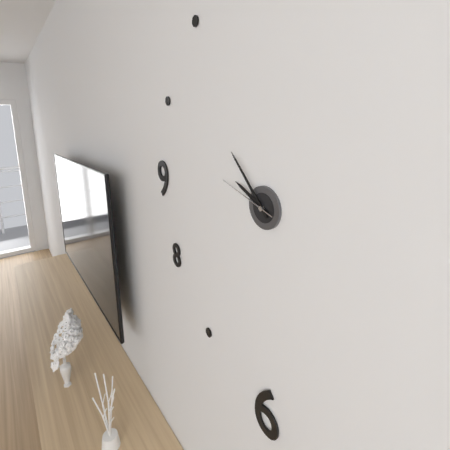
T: 9:53:48
